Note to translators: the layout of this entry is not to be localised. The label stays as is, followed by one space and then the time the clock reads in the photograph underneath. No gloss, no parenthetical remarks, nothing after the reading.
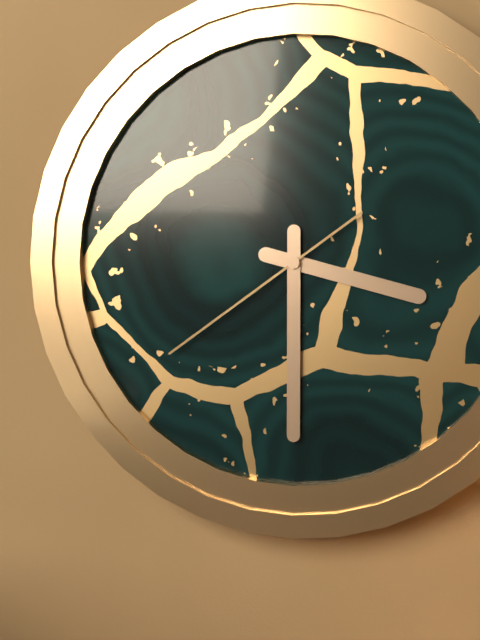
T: 3:30:39
